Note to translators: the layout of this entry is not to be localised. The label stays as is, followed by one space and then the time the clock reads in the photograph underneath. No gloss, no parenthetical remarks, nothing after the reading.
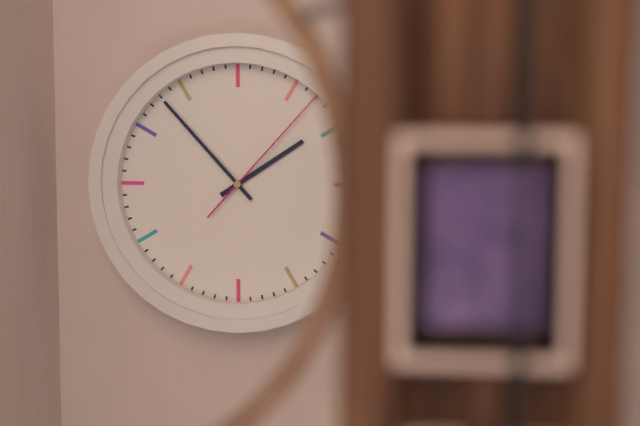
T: 1:53:07
